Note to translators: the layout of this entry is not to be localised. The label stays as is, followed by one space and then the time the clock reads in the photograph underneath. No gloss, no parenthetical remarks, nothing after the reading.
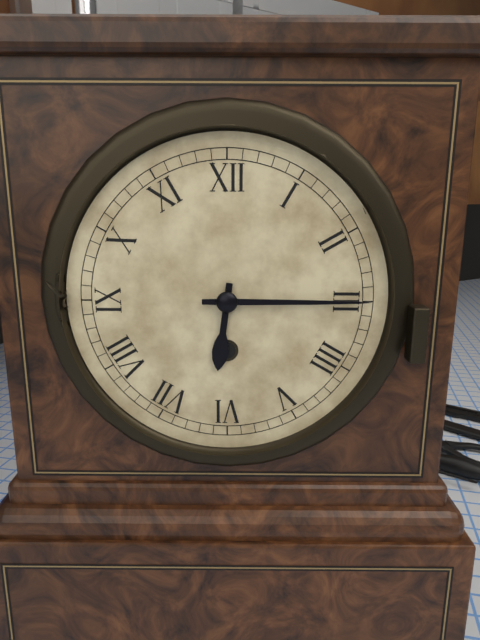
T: 6:15
